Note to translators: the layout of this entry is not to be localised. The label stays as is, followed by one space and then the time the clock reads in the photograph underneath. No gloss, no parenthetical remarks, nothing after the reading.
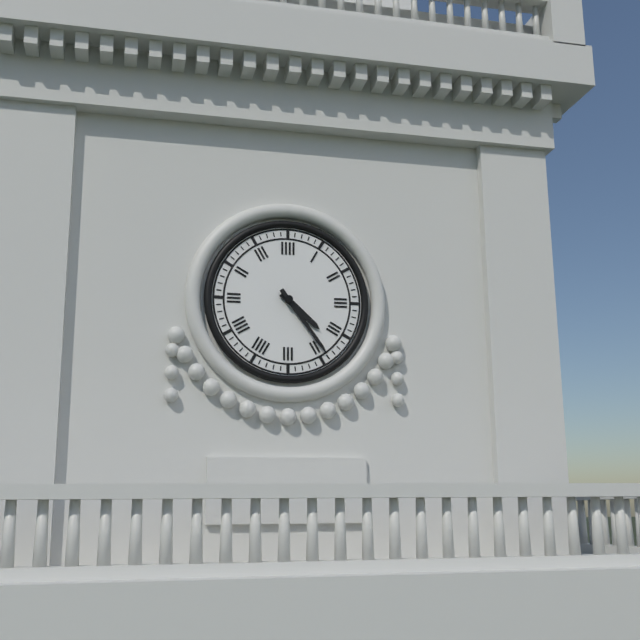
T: 4:24
